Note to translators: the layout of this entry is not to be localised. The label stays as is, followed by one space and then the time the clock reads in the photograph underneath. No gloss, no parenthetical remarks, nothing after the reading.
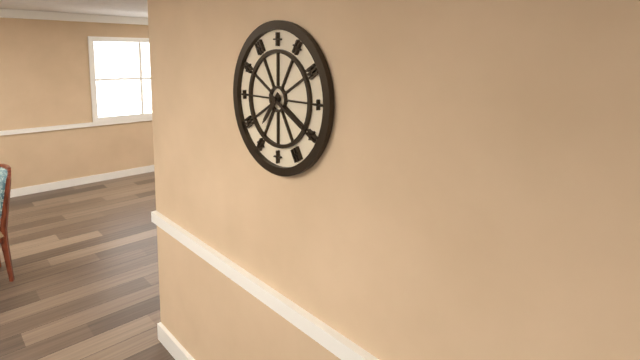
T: 7:20
